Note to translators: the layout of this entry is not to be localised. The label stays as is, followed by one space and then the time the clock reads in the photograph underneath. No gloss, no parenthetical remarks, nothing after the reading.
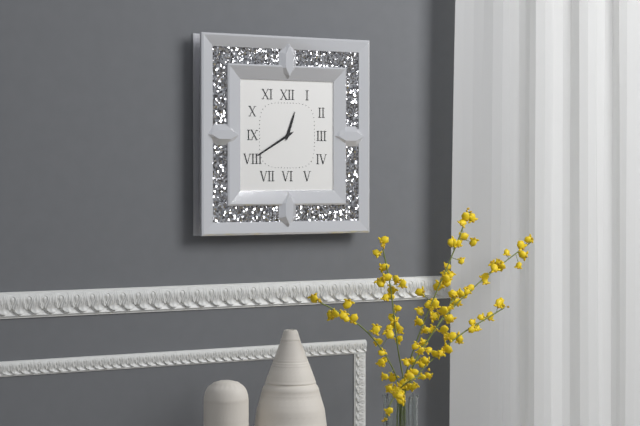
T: 12:40
